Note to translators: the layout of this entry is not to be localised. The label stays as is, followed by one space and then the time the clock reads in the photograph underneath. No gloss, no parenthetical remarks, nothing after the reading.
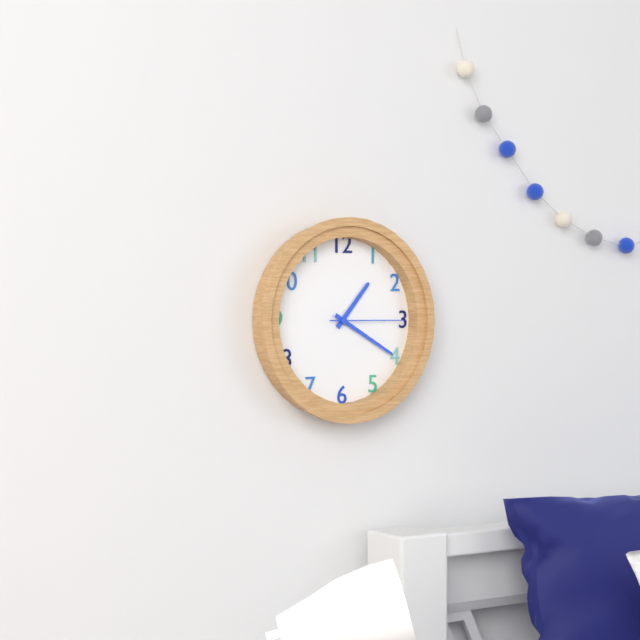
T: 1:20:15
